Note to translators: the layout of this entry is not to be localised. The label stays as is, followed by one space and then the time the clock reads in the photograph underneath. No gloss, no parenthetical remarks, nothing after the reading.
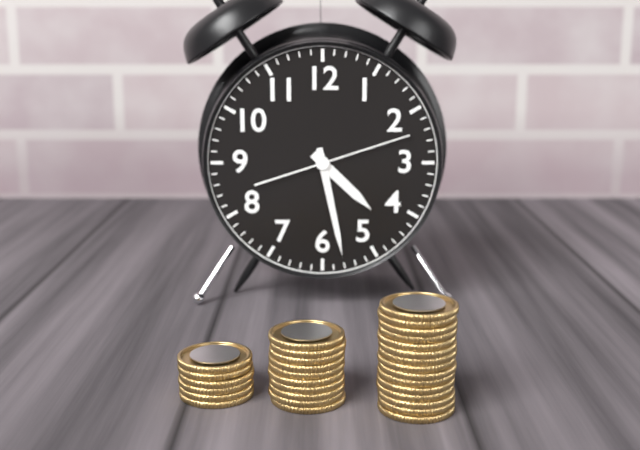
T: 4:28:12
